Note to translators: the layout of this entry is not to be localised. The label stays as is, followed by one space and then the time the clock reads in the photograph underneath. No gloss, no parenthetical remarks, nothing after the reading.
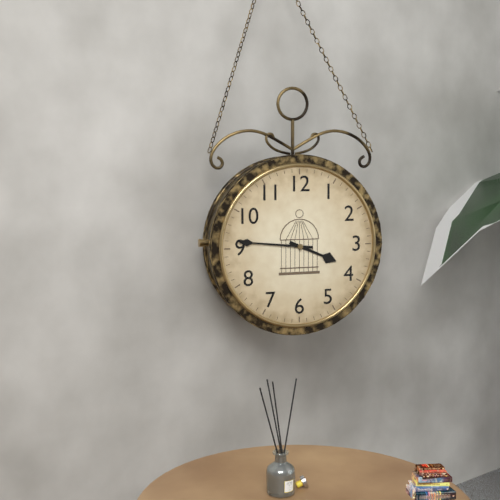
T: 3:46
